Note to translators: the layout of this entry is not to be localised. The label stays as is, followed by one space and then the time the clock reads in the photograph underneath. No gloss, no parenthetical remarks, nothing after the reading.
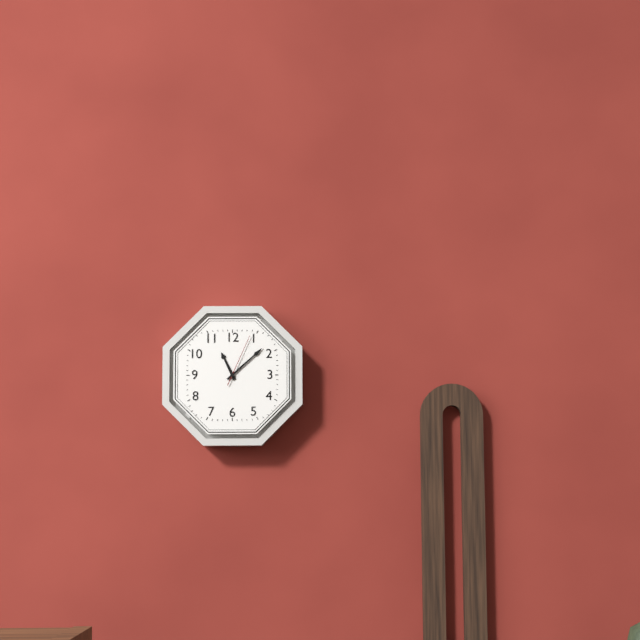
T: 11:08:04
